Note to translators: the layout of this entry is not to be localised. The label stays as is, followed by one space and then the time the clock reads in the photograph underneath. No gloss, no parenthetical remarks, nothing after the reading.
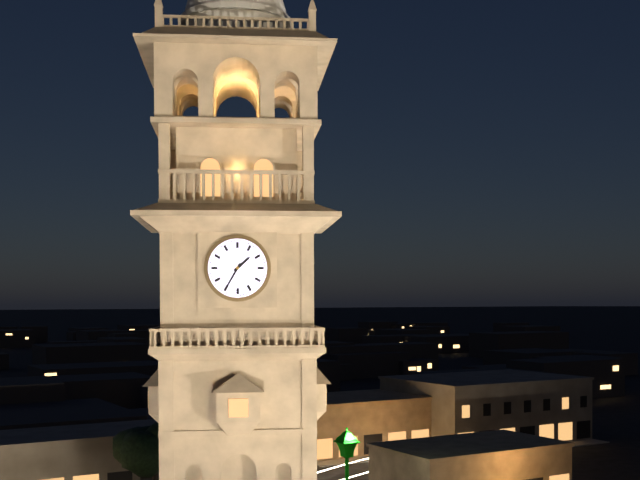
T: 1:35
